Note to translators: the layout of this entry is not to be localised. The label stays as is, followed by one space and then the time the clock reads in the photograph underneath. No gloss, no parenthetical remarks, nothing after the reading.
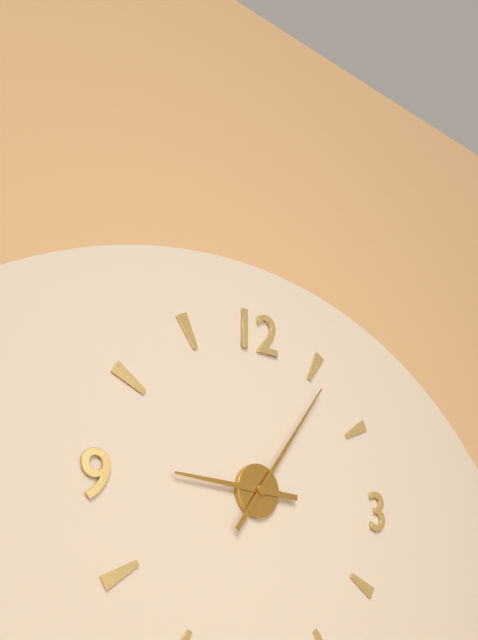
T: 9:06
